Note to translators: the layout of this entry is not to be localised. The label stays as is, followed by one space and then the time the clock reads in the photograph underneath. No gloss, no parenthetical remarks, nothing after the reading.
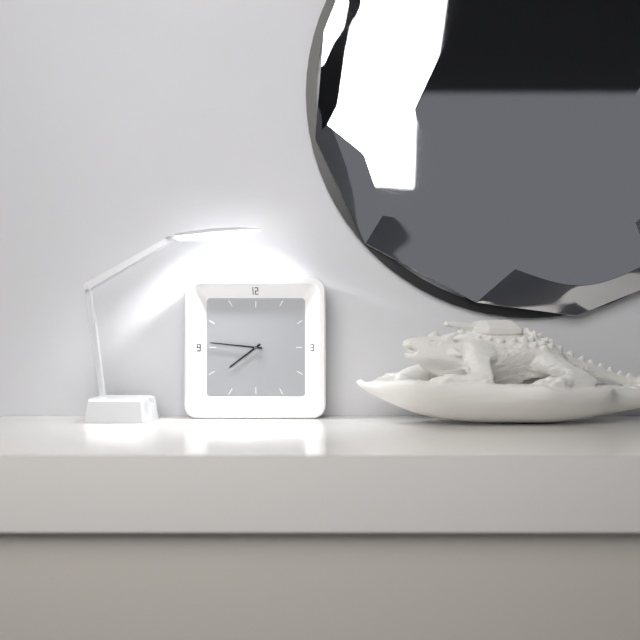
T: 7:46
